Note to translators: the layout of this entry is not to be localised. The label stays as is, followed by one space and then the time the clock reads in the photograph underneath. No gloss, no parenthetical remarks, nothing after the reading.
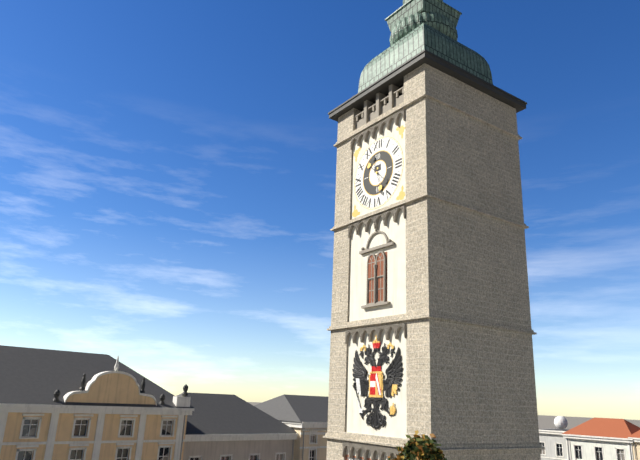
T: 10:27
